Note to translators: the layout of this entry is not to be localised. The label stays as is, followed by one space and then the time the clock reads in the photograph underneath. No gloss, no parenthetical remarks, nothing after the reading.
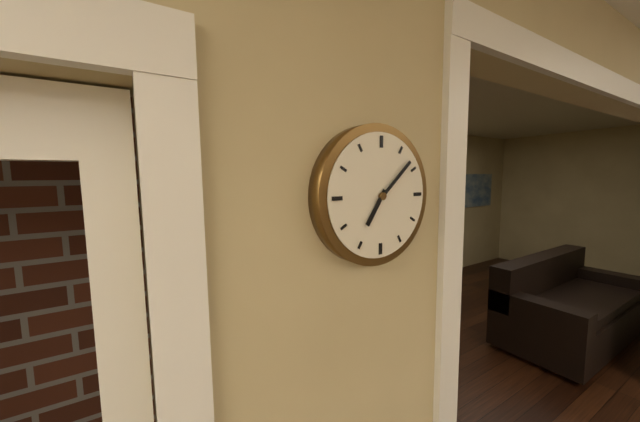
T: 7:08
